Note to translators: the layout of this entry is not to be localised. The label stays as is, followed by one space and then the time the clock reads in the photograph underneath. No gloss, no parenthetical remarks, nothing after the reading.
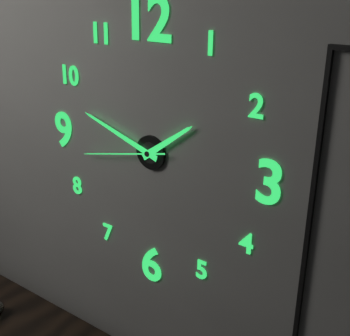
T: 1:48:43
